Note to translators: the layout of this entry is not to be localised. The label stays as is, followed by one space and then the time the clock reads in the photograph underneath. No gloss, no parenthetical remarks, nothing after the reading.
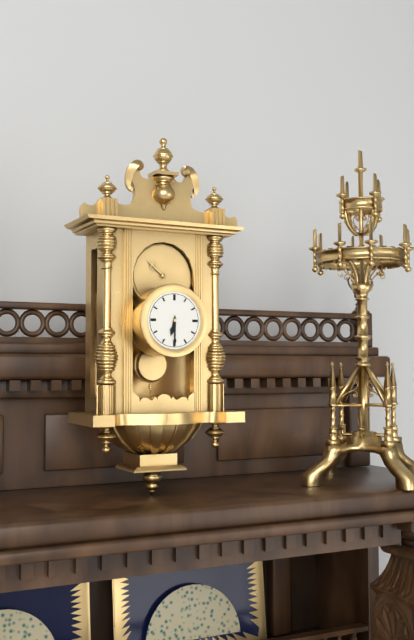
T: 6:30
